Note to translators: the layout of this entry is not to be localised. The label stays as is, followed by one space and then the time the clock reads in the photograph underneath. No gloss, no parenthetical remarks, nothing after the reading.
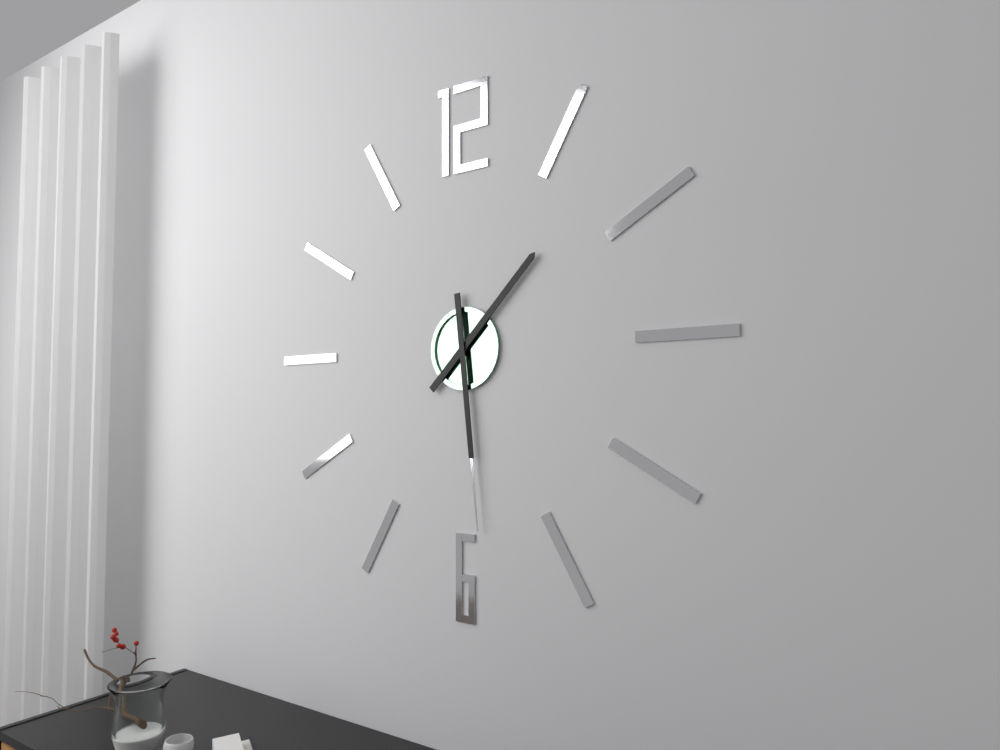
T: 1:29
